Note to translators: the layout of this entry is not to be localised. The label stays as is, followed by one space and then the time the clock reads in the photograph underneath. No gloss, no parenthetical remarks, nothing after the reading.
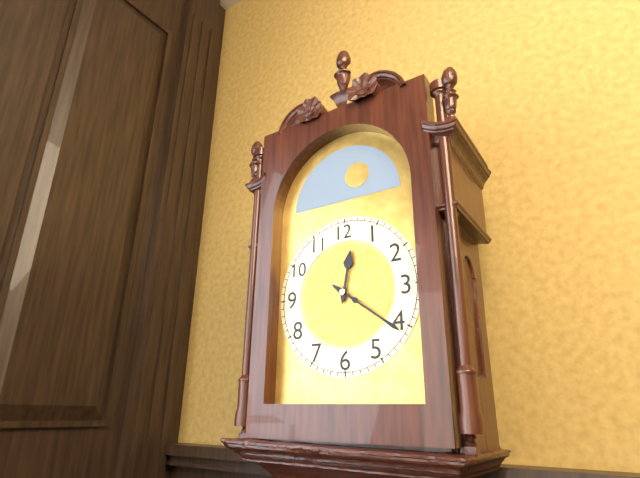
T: 12:21
